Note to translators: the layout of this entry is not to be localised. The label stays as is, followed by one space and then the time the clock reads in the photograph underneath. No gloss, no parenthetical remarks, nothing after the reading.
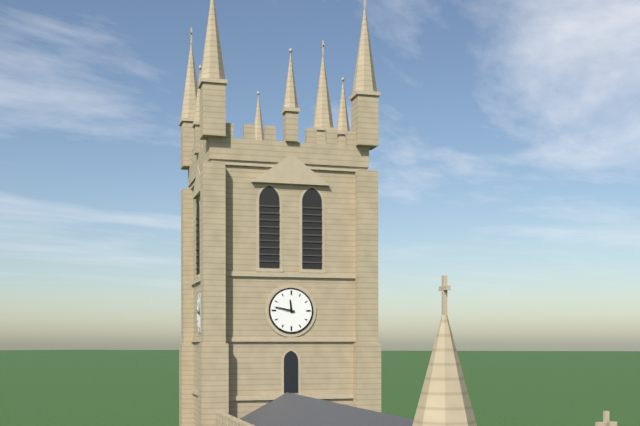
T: 11:47
